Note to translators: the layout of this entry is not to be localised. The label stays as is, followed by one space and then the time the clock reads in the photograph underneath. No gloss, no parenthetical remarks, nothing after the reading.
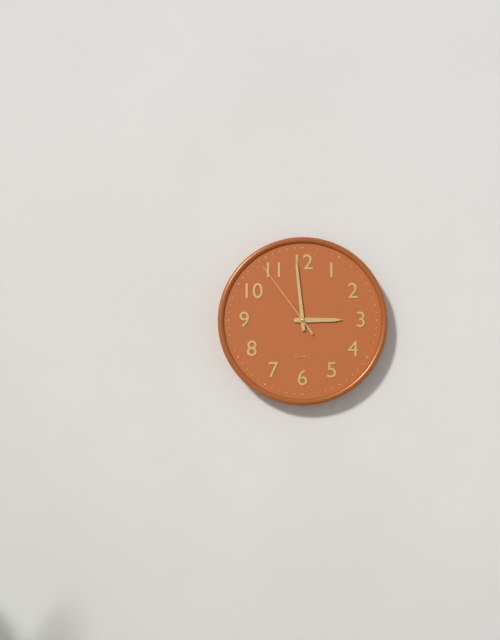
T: 2:59:54
